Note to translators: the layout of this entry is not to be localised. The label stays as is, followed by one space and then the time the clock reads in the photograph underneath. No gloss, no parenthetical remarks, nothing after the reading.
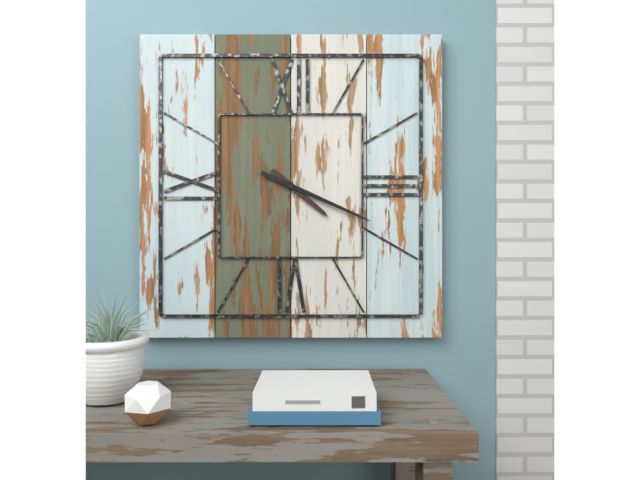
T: 4:19
